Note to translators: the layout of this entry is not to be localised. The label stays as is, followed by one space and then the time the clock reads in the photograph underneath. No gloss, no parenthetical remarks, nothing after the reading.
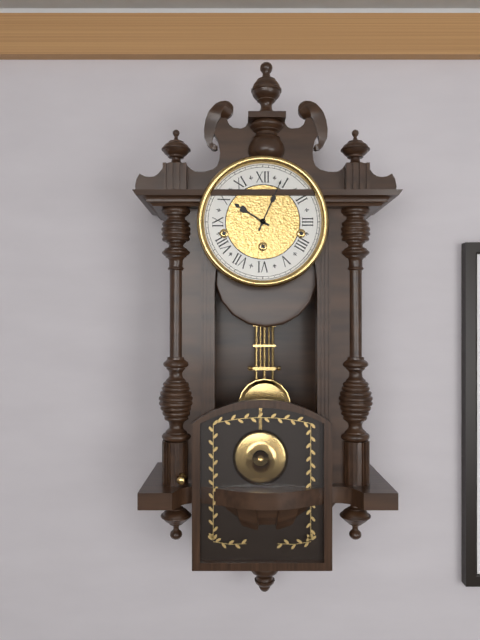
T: 10:04
